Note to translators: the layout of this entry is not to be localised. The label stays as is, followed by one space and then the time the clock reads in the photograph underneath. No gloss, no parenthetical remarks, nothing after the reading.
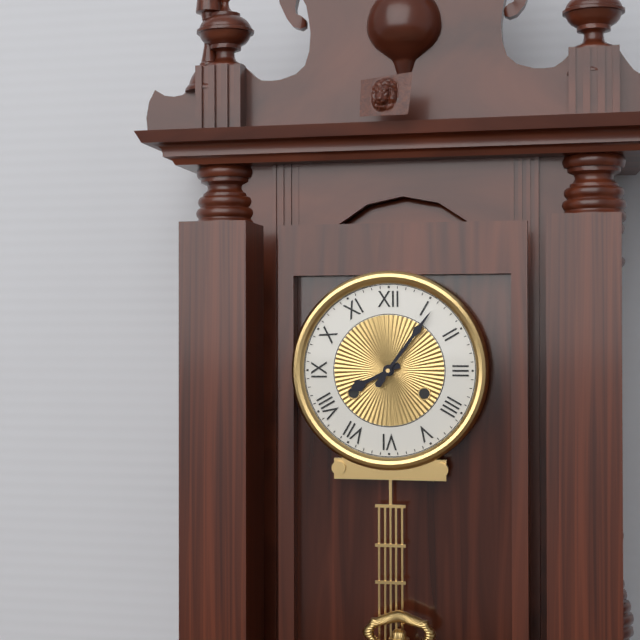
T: 8:06
